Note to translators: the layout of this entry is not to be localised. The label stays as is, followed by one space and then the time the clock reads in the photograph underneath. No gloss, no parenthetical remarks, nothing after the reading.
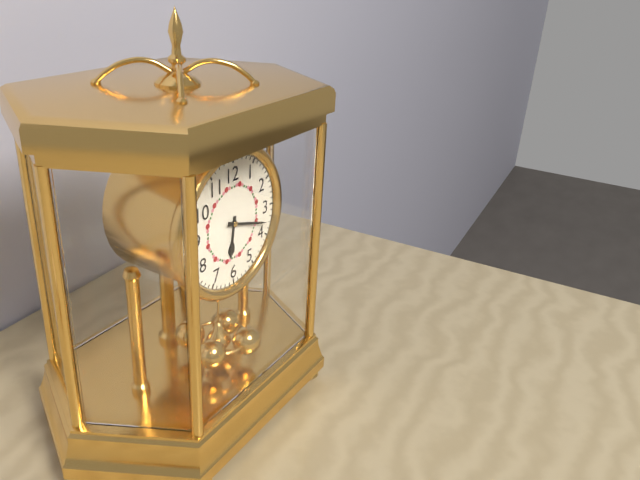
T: 6:18
